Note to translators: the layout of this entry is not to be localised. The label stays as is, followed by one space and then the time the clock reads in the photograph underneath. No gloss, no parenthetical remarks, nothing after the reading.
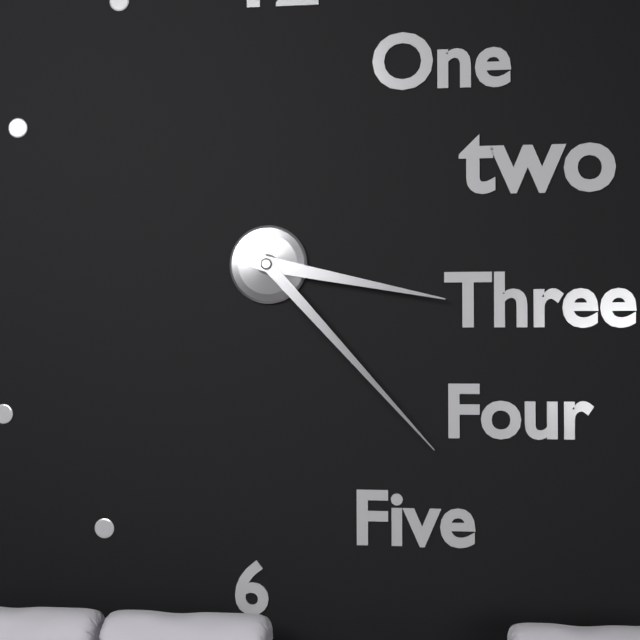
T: 3:23
